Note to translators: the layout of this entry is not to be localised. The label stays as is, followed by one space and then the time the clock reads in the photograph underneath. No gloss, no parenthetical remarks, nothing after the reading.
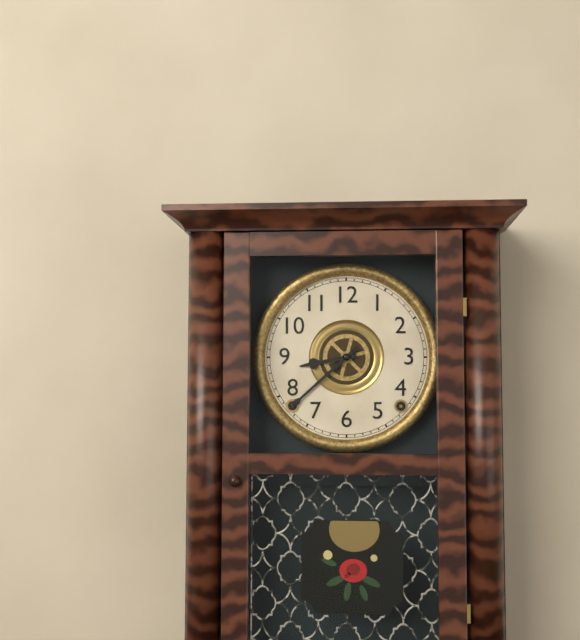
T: 8:38
